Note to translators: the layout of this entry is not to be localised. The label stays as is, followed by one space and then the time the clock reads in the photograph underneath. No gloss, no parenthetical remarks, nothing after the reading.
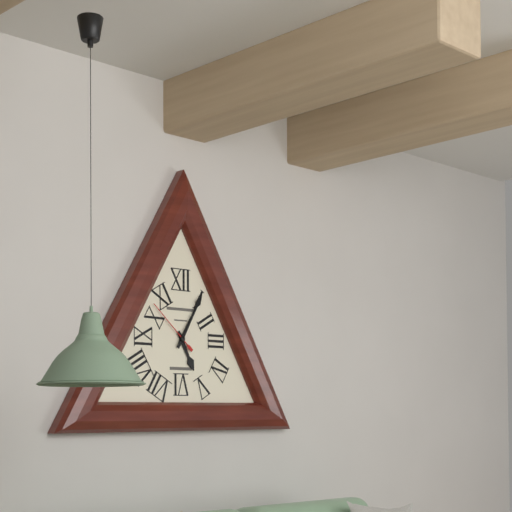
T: 5:05:52
